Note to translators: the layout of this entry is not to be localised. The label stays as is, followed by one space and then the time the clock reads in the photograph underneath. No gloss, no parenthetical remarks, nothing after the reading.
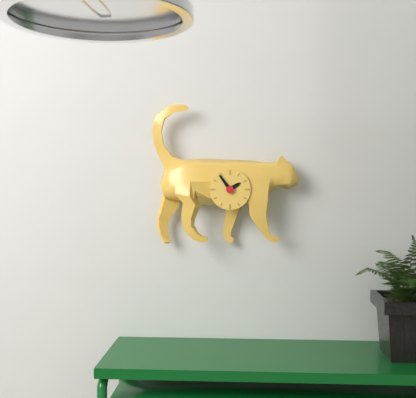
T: 1:54
